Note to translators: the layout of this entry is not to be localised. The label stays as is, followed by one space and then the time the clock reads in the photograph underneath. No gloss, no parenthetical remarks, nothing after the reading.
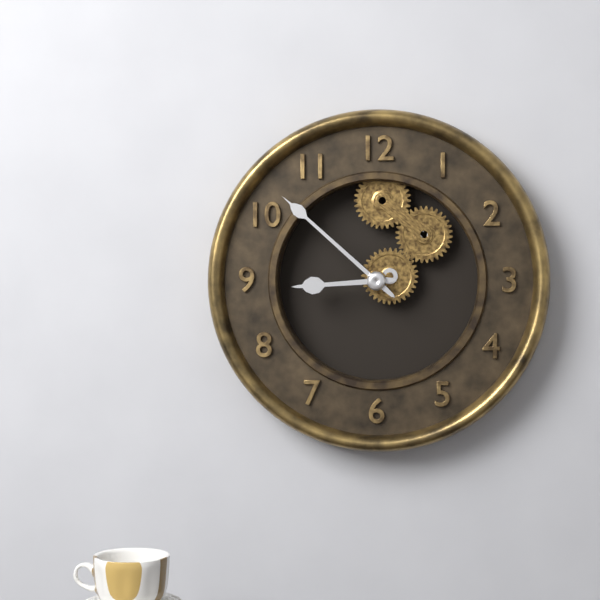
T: 8:52
